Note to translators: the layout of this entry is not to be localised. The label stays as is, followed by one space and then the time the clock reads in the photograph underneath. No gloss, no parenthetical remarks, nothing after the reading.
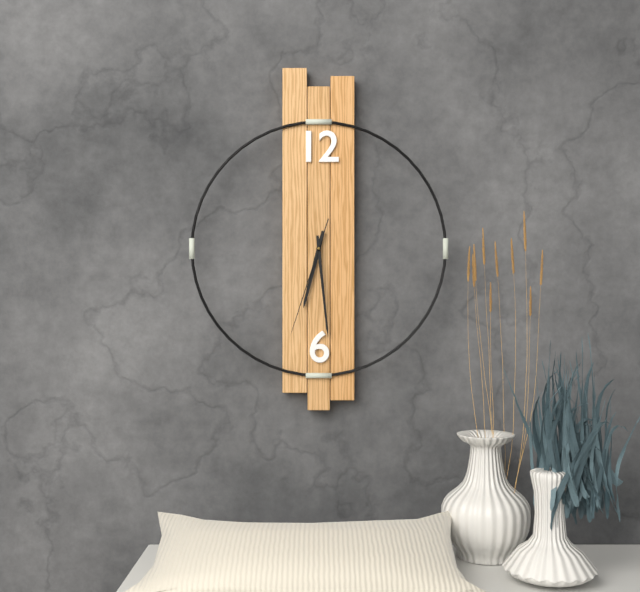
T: 6:29:33
